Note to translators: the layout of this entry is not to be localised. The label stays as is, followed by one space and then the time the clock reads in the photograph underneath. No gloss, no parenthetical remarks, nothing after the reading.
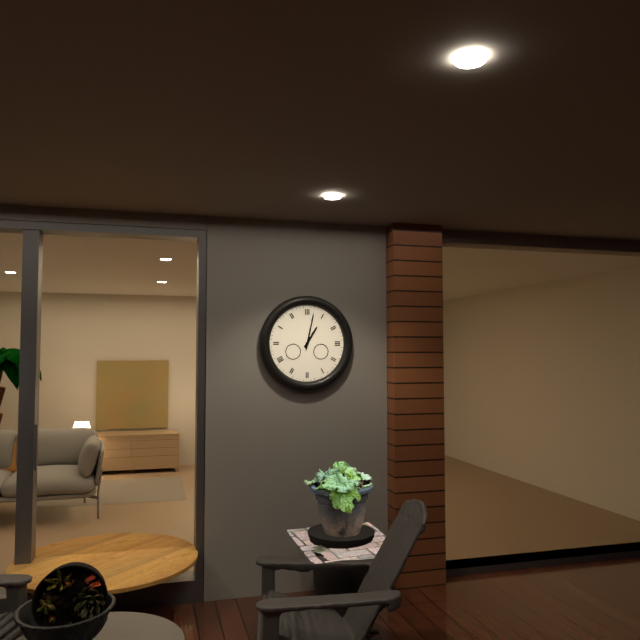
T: 1:02
